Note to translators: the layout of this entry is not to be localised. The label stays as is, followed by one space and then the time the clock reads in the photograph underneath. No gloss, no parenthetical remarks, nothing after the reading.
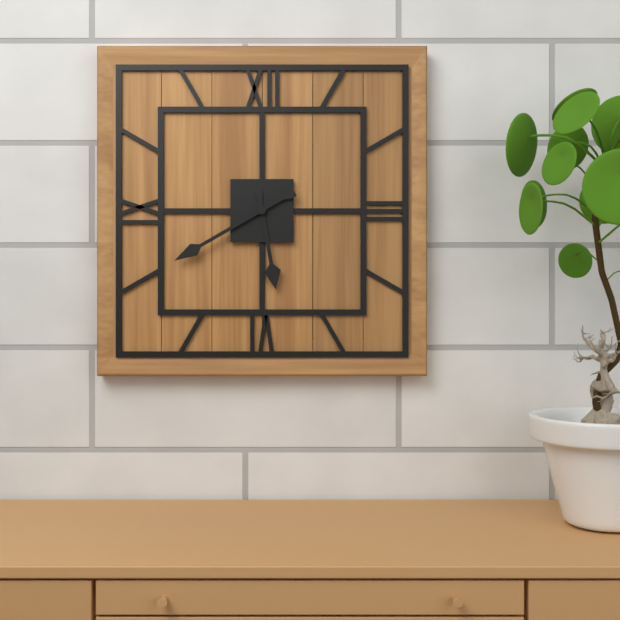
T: 5:40
